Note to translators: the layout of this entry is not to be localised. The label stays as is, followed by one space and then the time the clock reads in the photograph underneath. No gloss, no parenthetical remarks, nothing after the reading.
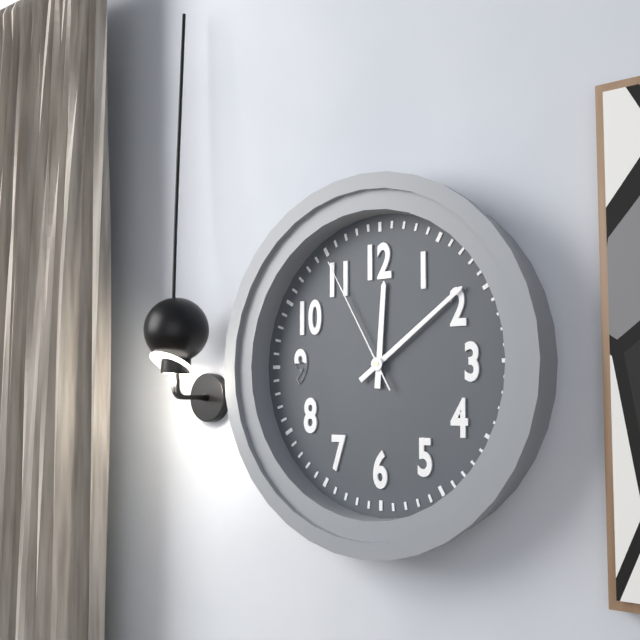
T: 12:09:55
